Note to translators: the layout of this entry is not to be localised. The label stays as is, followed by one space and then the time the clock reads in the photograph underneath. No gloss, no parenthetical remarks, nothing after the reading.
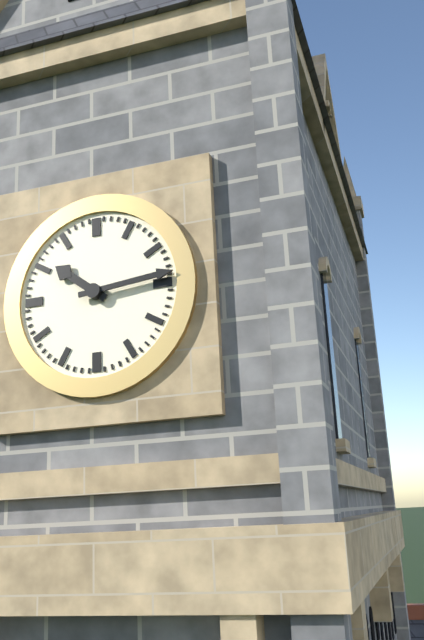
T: 10:14
